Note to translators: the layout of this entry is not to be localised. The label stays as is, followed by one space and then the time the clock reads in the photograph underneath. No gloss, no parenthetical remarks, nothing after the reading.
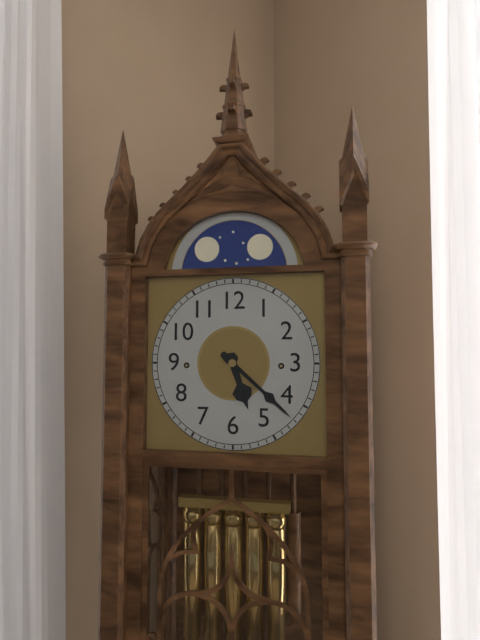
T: 5:22
